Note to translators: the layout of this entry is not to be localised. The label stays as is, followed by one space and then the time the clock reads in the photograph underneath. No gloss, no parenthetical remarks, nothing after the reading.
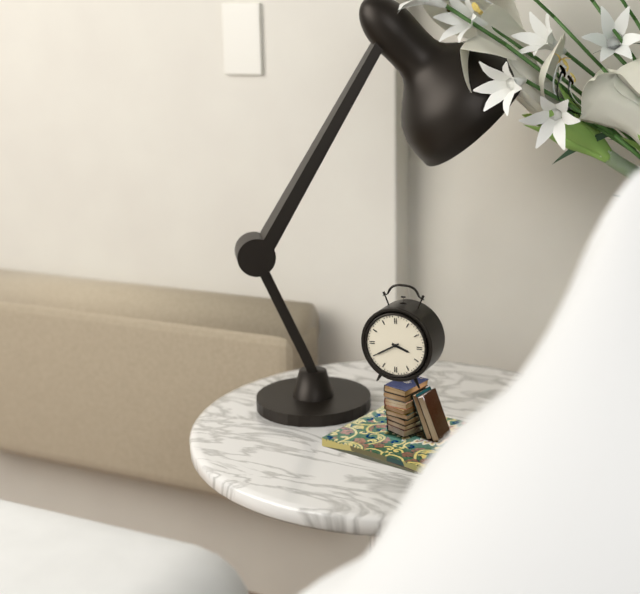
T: 3:40
